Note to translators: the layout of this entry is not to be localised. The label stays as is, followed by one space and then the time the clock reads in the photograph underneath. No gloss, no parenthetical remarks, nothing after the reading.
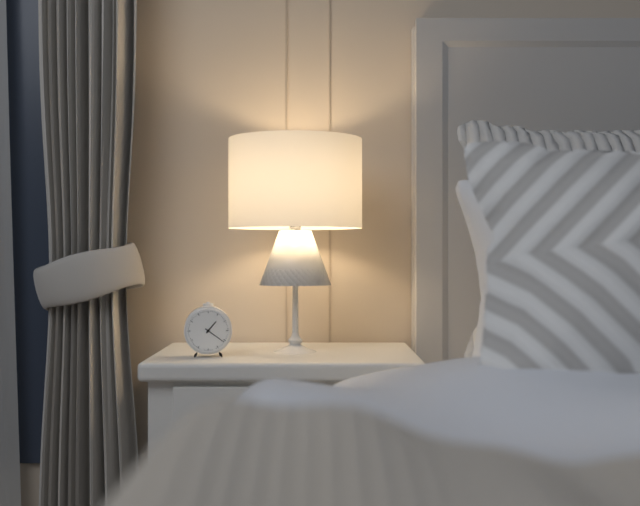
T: 1:21
